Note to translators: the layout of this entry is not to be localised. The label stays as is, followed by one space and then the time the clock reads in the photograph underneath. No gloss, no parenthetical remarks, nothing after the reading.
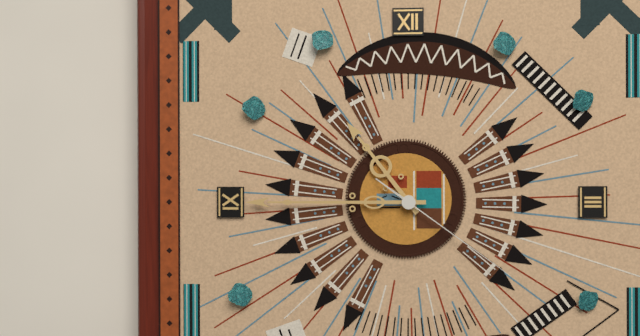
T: 10:45:21
